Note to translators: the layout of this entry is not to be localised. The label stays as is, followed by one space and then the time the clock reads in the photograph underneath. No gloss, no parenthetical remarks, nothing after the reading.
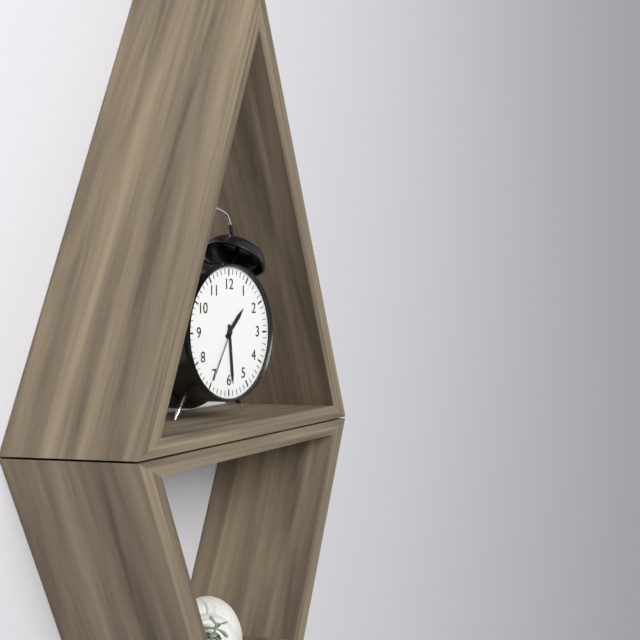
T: 1:29:35
